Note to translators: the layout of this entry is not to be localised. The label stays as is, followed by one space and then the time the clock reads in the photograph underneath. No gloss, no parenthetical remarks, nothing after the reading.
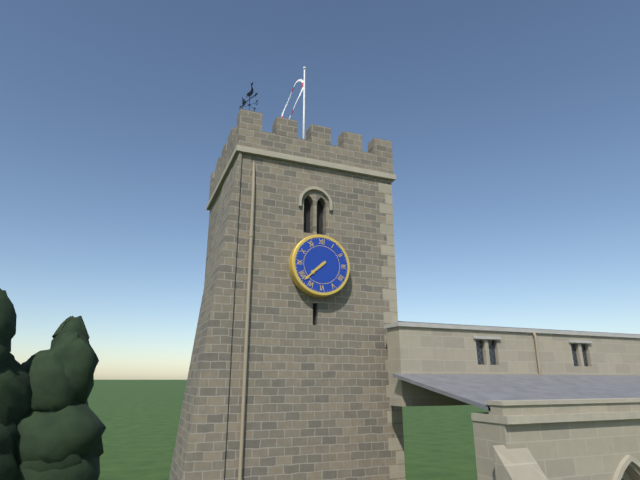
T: 7:38
